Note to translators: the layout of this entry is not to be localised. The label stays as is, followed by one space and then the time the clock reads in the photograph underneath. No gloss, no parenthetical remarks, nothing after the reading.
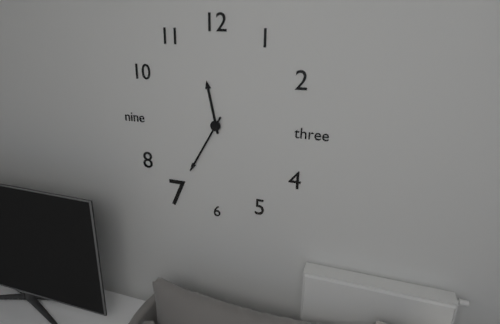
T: 11:35
